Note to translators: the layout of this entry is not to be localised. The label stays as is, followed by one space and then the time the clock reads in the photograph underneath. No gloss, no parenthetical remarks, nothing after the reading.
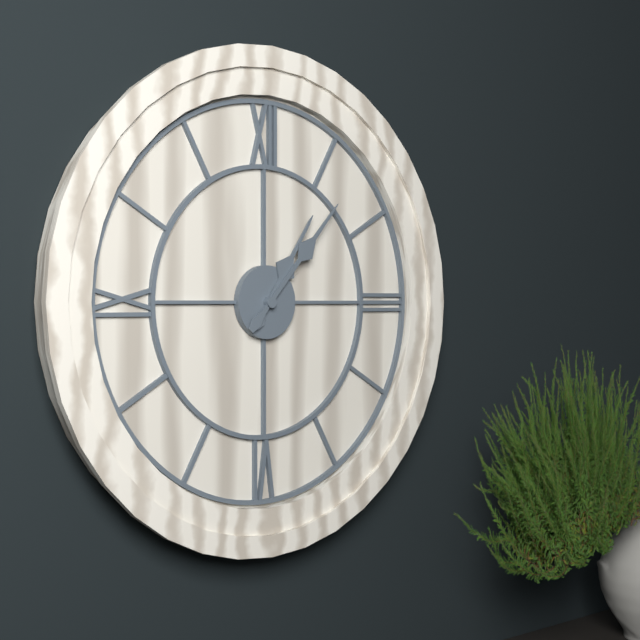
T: 1:07
